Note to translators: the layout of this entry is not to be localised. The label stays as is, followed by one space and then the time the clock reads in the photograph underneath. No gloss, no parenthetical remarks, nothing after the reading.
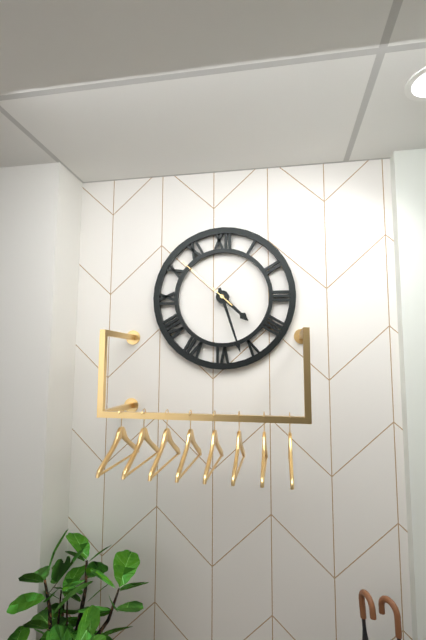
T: 4:27:52
